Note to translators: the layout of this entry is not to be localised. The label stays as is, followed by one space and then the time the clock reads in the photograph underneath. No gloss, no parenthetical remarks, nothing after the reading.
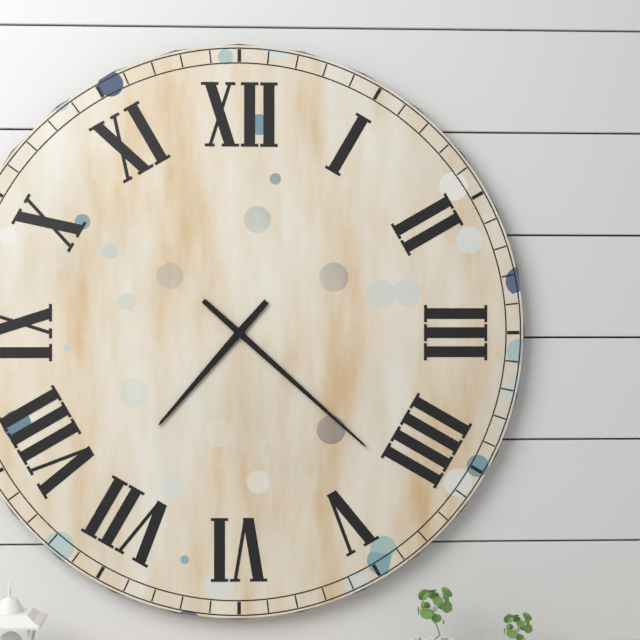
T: 7:22
